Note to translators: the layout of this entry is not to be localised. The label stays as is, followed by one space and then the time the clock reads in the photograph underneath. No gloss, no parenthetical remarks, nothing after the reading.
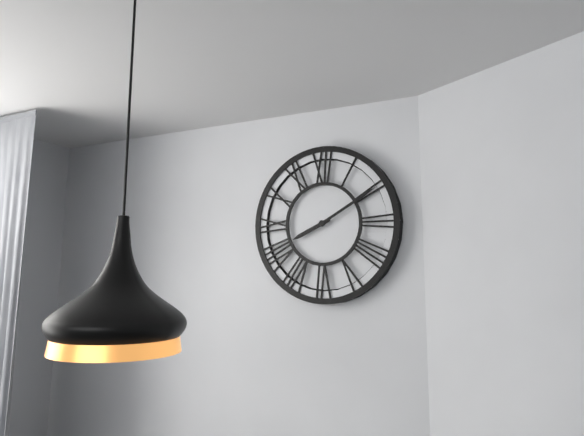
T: 8:10
